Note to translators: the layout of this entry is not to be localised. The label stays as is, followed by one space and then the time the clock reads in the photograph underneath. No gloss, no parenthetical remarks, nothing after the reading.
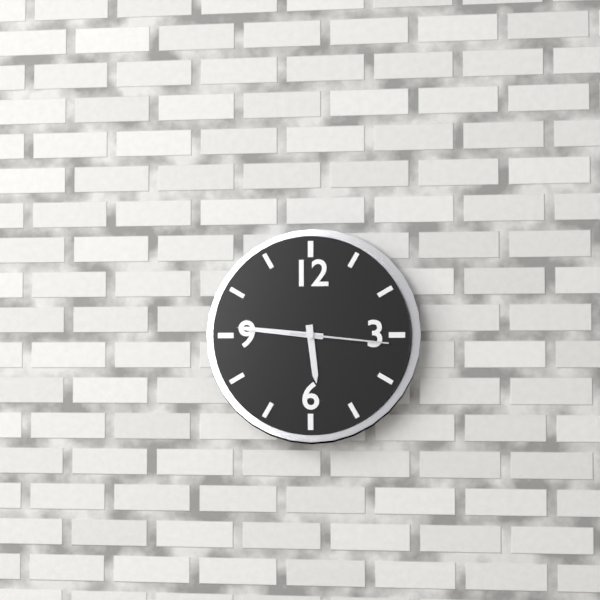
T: 5:46:16
